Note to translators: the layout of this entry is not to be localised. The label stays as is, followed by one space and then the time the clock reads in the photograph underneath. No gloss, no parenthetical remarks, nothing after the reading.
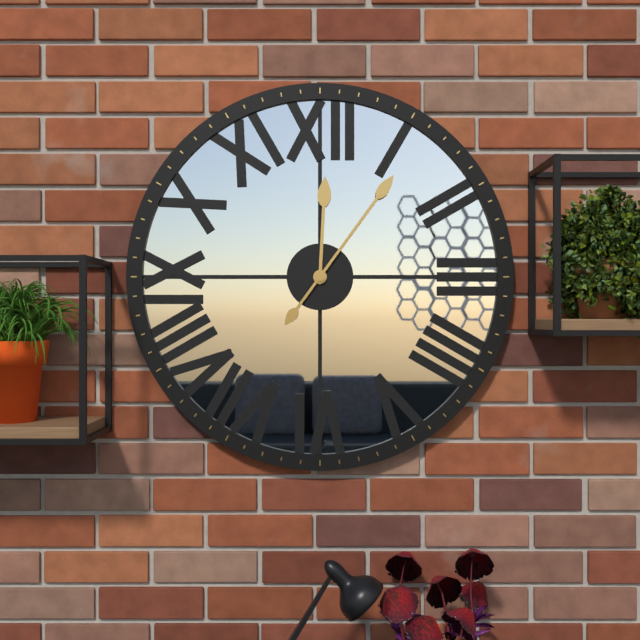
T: 12:06
